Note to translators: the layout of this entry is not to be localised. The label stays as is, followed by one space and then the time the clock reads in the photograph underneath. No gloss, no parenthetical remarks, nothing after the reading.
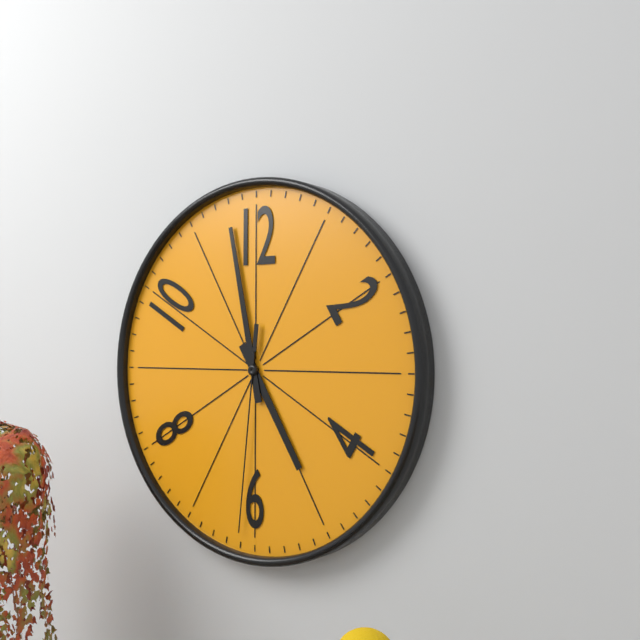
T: 4:58:31
